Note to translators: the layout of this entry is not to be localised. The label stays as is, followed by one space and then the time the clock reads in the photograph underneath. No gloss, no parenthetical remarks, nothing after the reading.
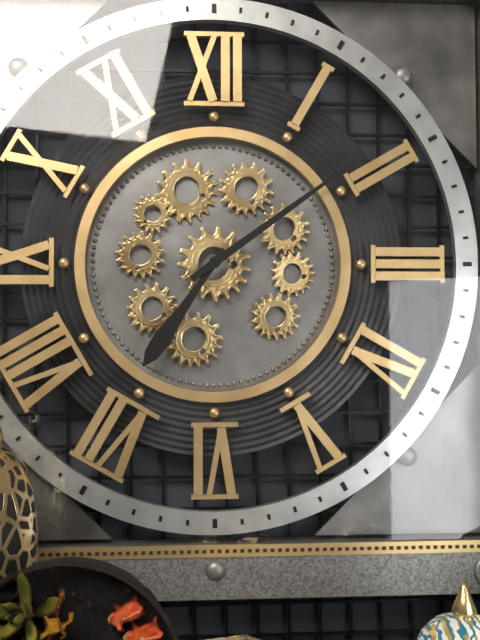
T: 7:09
